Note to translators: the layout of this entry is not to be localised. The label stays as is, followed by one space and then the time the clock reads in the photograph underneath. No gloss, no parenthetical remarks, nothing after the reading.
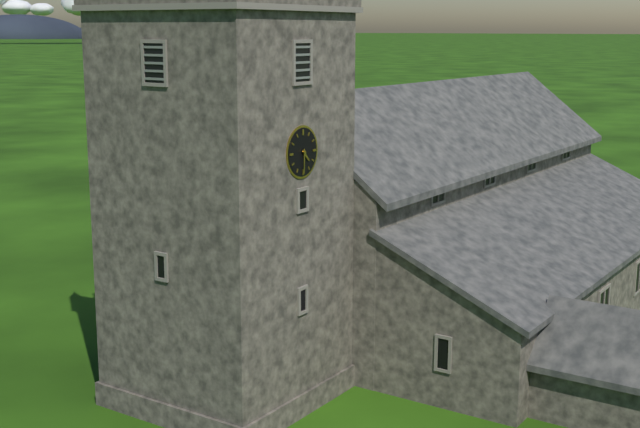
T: 4:30
